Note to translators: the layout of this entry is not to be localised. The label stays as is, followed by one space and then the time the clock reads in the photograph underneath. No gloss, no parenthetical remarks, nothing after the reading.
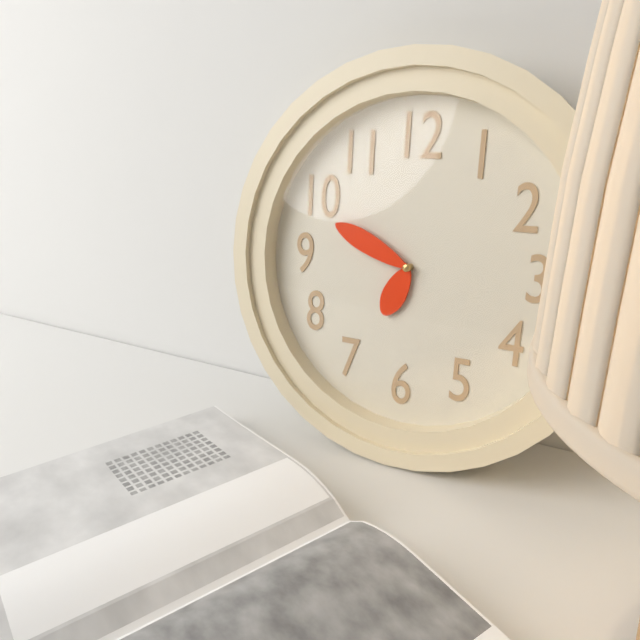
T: 6:49
